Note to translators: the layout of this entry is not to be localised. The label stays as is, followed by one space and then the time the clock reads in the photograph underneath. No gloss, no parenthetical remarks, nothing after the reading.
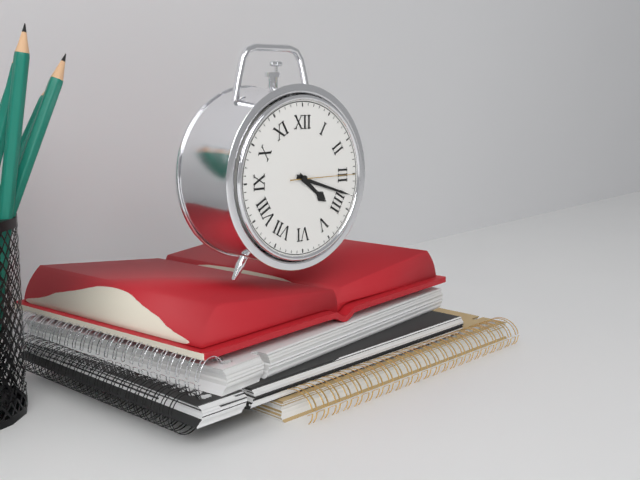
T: 4:18:15
